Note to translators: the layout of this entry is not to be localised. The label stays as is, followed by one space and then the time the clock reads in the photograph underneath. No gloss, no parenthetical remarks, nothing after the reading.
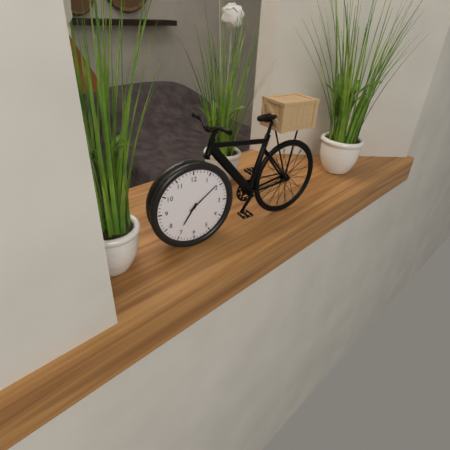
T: 7:09
